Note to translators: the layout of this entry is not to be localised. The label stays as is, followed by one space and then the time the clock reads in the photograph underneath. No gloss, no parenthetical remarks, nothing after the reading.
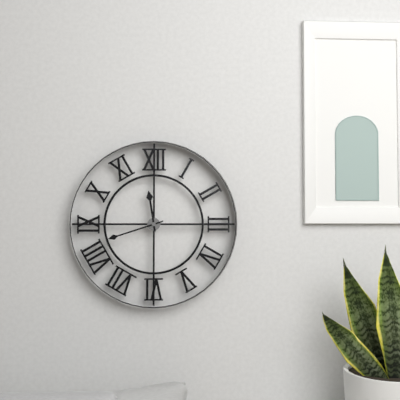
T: 11:42
